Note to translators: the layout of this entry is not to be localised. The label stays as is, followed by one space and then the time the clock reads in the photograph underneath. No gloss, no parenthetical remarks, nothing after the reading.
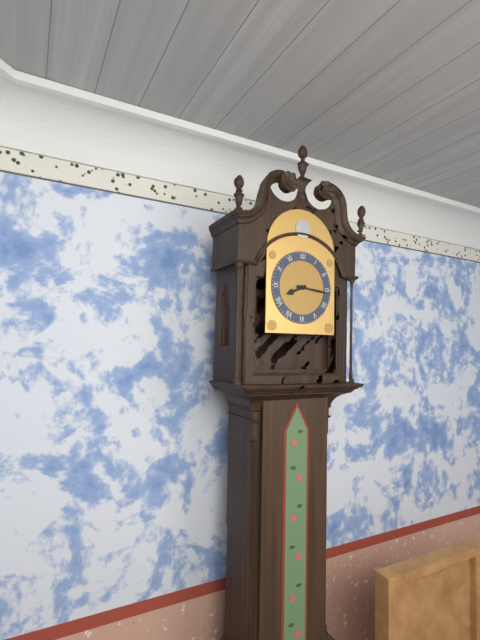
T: 8:16
